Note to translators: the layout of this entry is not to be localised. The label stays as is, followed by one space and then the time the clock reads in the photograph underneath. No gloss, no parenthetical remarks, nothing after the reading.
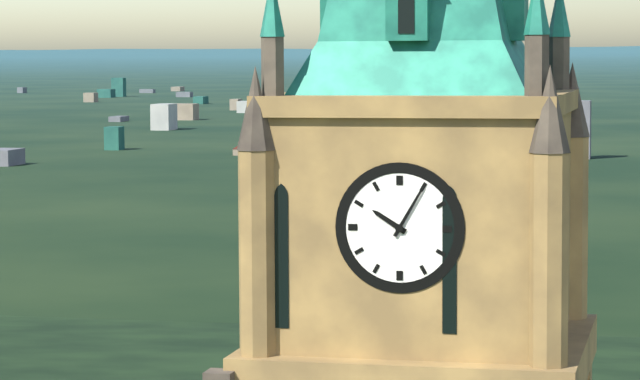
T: 10:05
